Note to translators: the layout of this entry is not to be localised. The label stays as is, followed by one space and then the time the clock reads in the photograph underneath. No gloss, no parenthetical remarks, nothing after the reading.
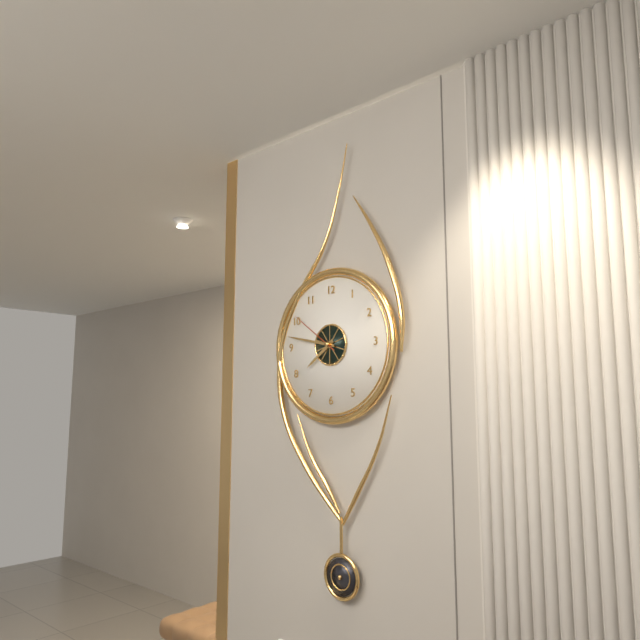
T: 7:47:51
